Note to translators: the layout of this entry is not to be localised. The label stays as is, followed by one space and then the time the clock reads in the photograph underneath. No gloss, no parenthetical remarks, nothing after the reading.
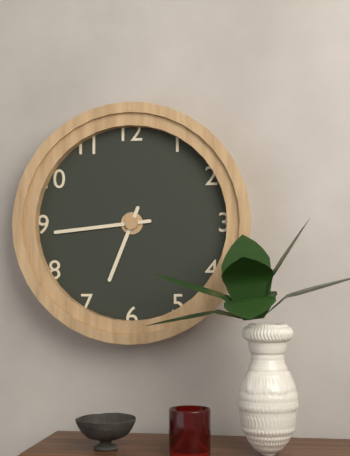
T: 6:44
